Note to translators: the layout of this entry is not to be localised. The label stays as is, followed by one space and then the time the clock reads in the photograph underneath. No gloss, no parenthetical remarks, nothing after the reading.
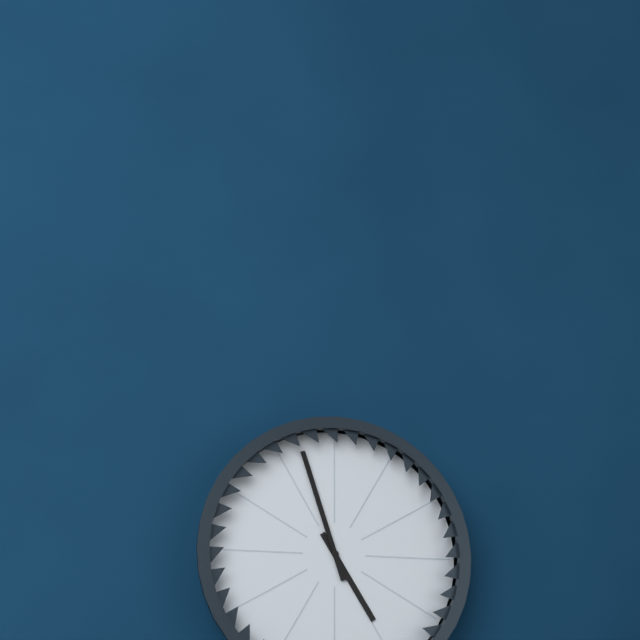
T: 4:57
